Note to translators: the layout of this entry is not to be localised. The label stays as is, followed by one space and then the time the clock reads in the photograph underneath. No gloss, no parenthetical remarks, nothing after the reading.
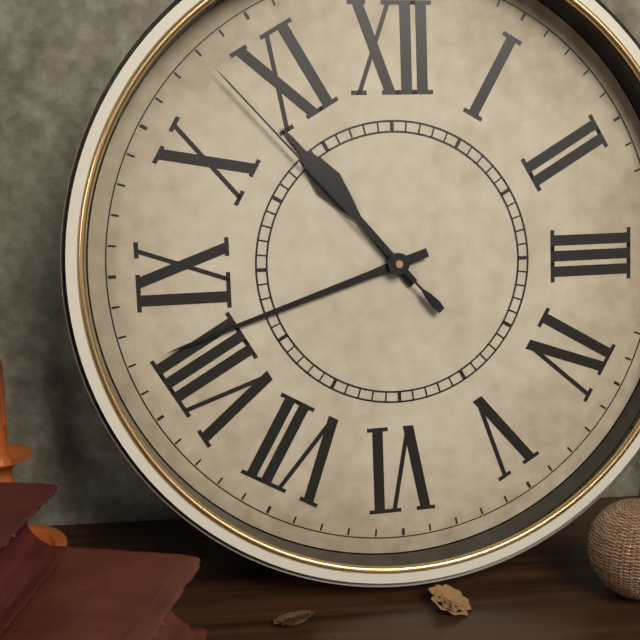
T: 10:42:53
